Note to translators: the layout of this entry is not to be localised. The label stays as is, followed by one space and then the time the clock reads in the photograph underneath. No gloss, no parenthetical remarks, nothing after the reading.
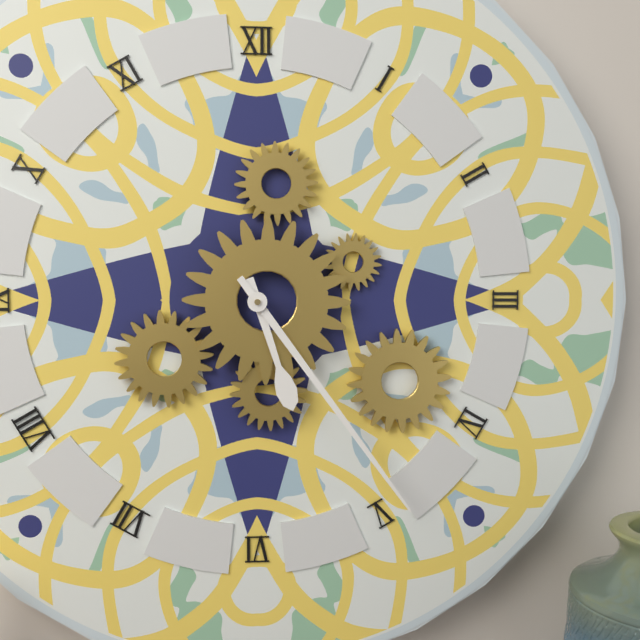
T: 5:24
